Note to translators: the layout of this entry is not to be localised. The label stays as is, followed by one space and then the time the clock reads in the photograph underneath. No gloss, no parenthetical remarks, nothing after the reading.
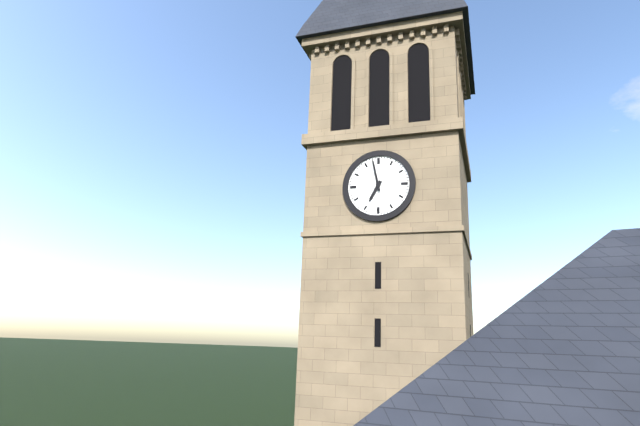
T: 6:58
